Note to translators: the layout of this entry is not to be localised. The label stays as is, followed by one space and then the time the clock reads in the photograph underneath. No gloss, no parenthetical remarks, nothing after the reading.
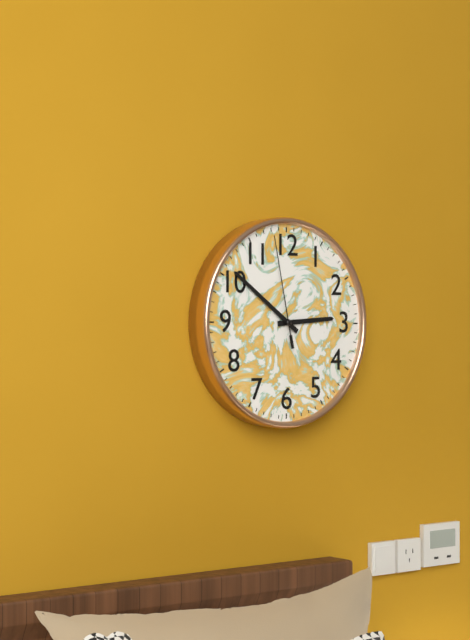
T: 2:51:58
